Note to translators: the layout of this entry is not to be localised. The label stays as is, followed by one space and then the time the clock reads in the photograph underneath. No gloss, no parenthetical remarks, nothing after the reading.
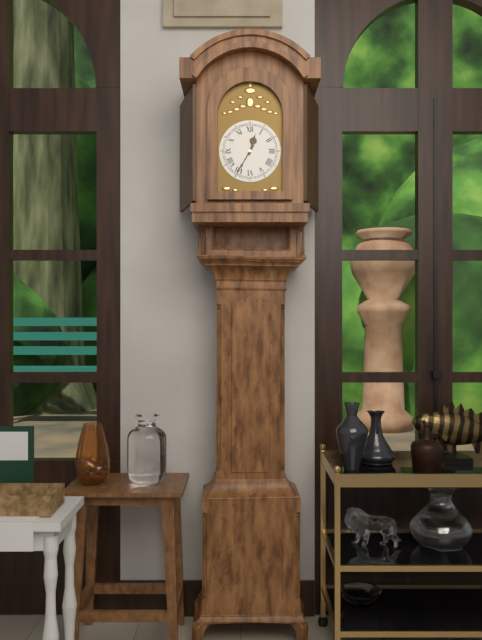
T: 12:35
